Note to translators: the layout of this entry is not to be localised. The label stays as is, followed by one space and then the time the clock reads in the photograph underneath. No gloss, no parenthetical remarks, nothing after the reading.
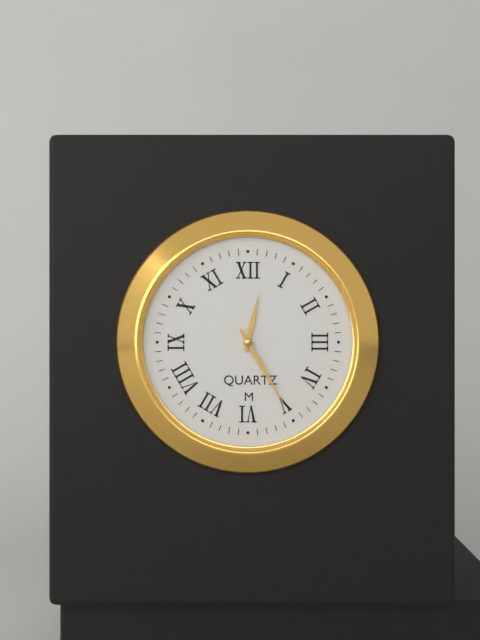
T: 12:25
